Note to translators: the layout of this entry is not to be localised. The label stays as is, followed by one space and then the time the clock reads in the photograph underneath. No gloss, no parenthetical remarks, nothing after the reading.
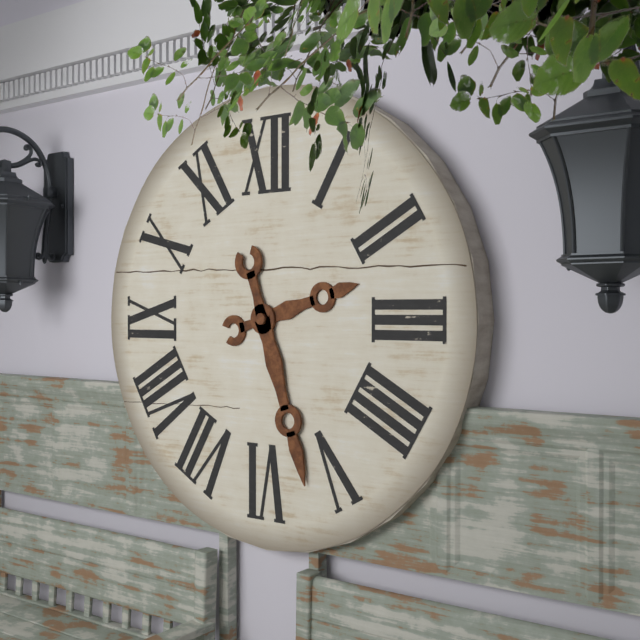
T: 2:27
